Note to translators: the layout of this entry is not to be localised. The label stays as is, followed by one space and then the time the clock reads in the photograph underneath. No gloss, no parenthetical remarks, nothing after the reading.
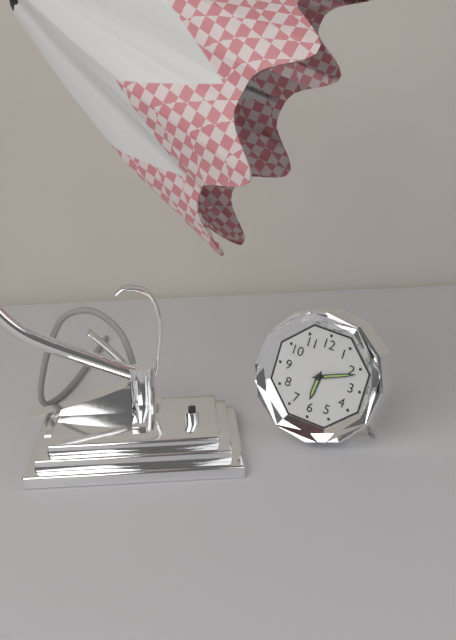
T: 6:11
